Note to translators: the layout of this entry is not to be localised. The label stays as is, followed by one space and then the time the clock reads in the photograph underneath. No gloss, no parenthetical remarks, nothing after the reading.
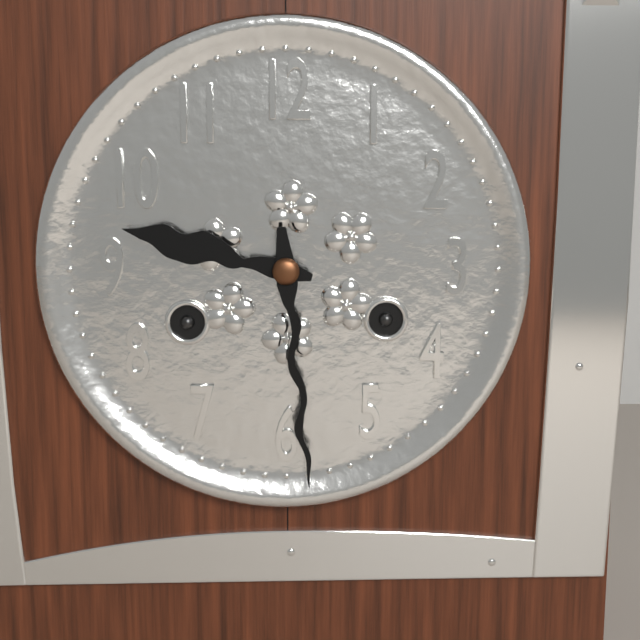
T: 9:29
